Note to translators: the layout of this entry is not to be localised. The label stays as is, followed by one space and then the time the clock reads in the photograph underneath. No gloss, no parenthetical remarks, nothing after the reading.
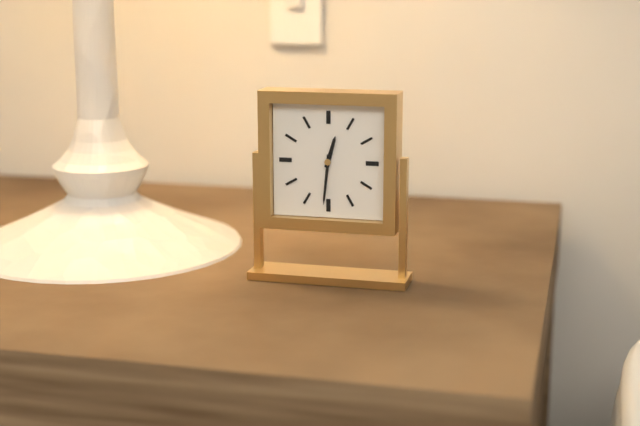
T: 12:31
